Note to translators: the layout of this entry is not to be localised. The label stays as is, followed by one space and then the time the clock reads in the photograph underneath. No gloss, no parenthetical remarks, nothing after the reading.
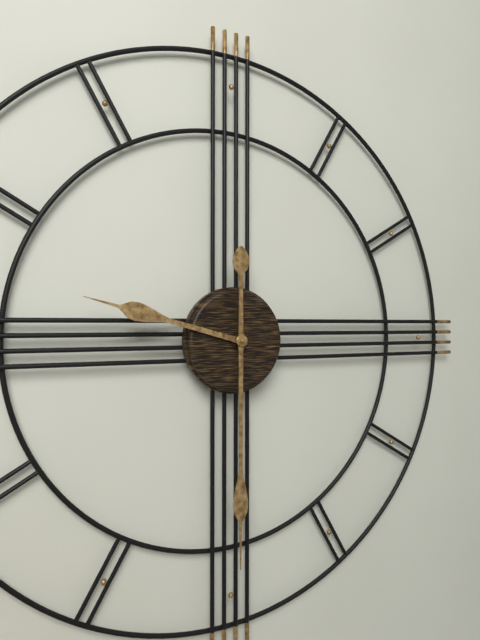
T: 9:30
